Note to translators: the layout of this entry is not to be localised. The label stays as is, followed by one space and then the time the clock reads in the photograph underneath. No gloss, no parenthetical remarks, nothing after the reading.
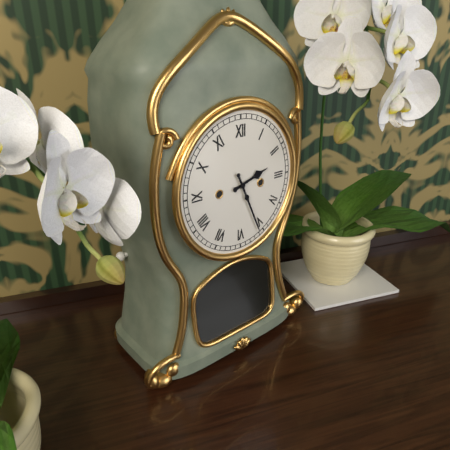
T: 2:26
